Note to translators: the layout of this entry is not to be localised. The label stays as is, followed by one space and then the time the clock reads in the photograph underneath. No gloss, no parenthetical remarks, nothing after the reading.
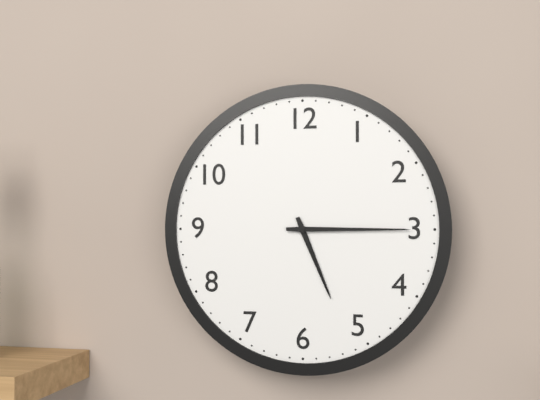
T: 5:15
